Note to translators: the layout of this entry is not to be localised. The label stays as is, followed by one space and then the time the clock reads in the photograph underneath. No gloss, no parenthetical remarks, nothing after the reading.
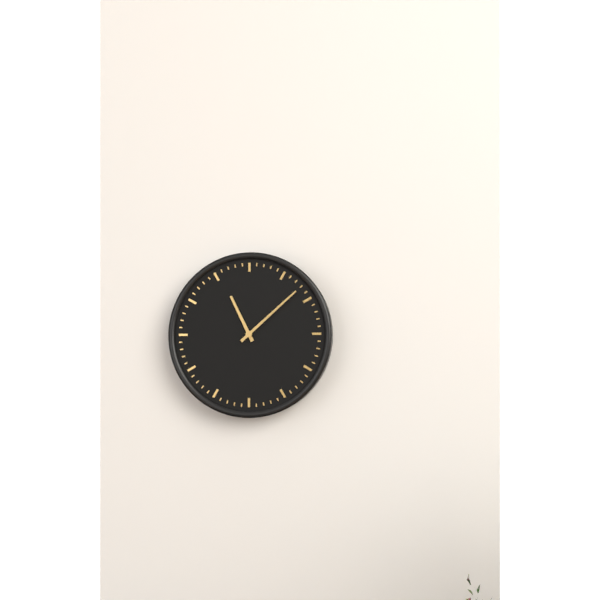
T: 11:08
